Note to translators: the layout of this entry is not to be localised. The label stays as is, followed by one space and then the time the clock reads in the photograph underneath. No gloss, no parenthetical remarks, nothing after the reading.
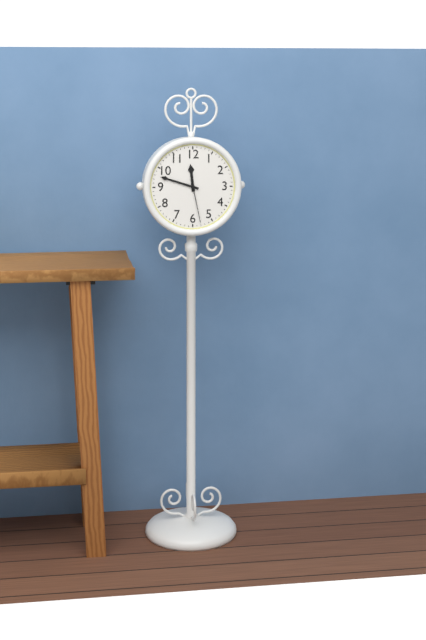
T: 11:48
